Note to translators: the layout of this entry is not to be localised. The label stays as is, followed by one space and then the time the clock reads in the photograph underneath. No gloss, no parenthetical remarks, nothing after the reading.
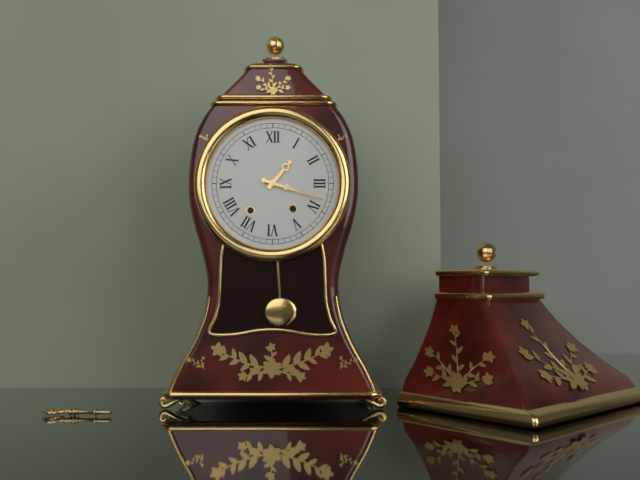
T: 1:18
